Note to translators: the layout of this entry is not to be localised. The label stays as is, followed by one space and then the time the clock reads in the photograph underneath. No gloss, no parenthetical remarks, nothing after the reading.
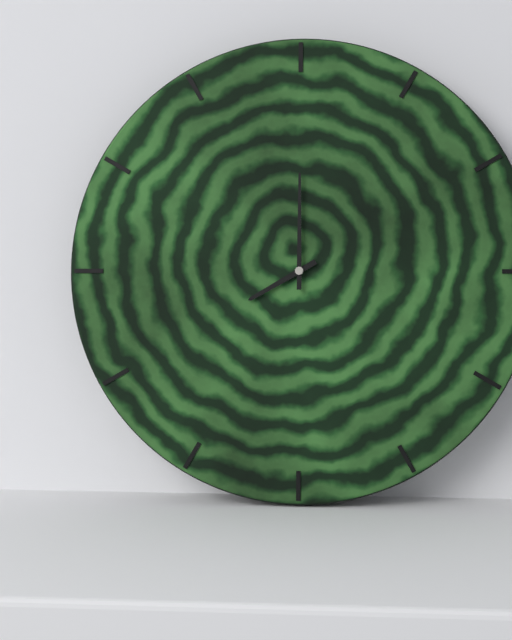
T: 8:00
